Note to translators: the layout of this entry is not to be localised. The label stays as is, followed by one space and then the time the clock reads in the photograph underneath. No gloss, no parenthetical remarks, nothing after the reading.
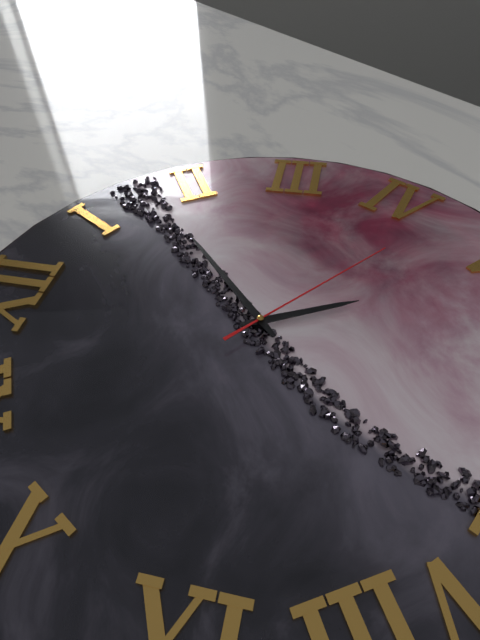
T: 5:08:22
